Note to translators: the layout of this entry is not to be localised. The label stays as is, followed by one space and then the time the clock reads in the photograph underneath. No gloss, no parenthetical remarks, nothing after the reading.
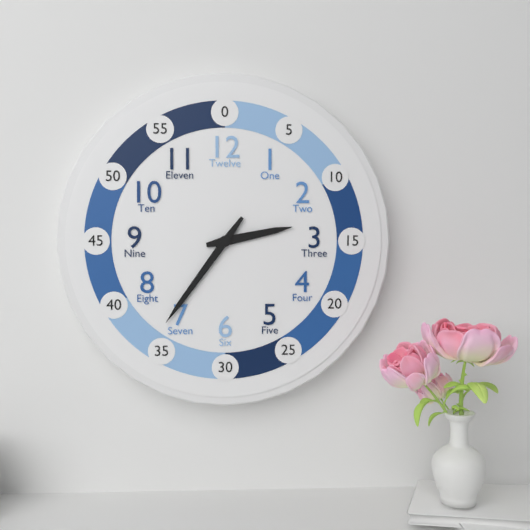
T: 2:36
